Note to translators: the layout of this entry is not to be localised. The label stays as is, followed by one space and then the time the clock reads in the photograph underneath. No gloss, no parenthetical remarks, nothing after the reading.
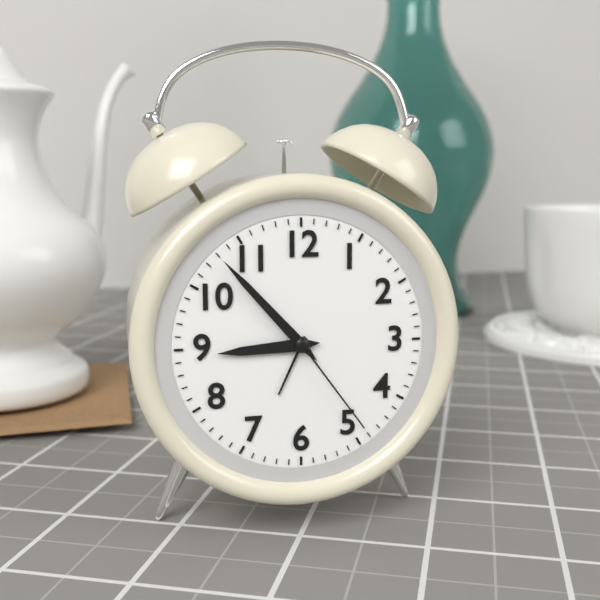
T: 8:53:24
